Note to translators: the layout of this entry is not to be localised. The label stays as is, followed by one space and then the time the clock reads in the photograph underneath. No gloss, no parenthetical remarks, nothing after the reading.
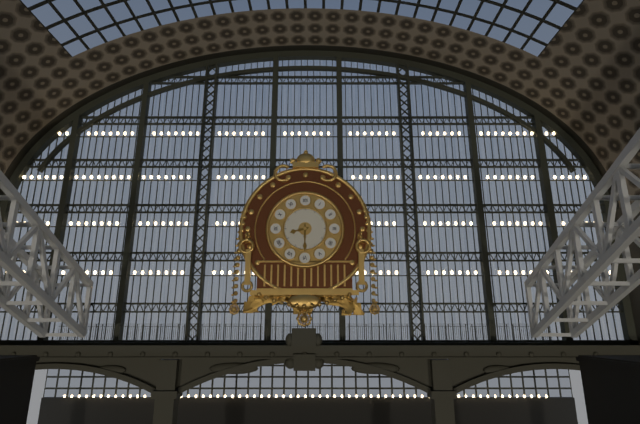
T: 8:30
